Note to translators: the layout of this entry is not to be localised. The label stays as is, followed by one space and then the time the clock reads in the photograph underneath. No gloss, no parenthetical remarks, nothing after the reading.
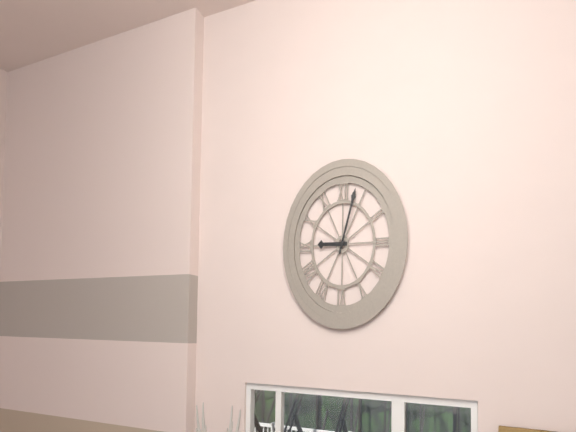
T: 9:03
